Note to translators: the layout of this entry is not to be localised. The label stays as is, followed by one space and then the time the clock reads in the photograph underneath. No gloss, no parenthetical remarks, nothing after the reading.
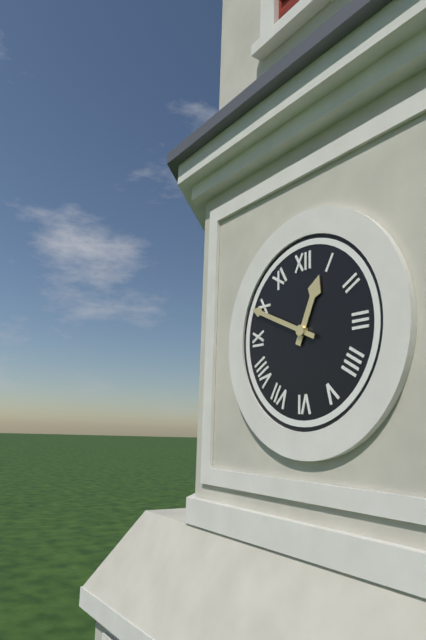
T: 12:49
